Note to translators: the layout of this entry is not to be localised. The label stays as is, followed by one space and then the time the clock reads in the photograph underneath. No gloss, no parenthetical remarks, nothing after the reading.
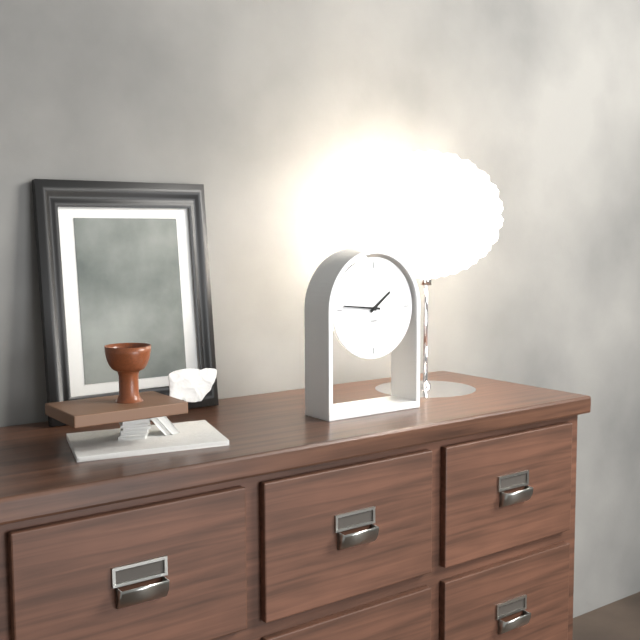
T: 1:46
